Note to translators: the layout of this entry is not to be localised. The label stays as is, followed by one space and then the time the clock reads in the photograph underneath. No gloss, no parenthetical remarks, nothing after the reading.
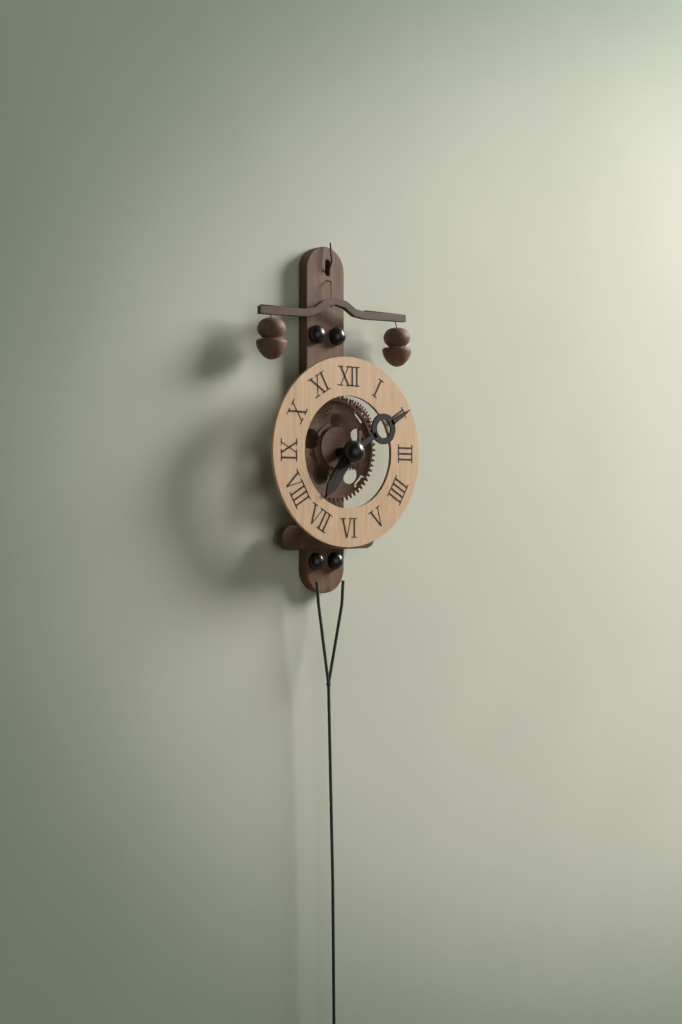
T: 7:10
